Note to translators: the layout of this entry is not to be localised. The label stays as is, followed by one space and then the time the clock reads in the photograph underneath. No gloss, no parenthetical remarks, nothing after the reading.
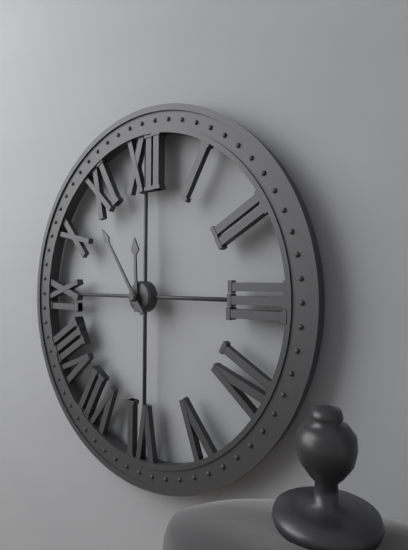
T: 11:54
